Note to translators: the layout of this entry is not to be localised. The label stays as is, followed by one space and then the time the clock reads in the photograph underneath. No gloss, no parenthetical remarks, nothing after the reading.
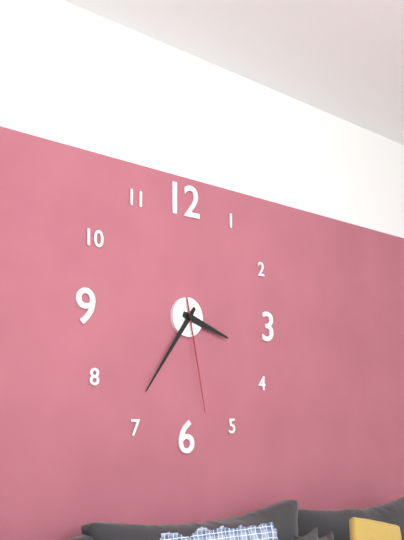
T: 3:36:28
